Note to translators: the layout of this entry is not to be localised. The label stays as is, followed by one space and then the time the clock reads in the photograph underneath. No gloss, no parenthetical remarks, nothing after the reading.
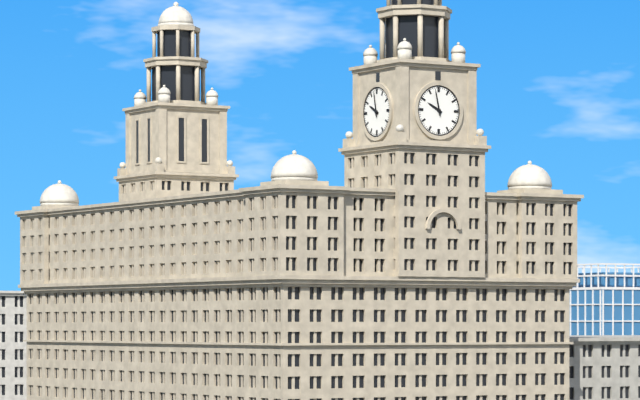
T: 9:58
